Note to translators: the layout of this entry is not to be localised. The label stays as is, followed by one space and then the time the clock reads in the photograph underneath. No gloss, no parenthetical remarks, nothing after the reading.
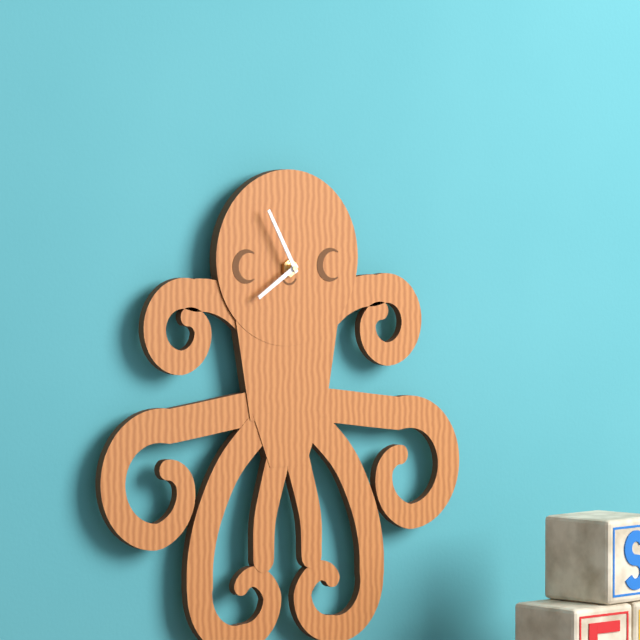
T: 7:55
